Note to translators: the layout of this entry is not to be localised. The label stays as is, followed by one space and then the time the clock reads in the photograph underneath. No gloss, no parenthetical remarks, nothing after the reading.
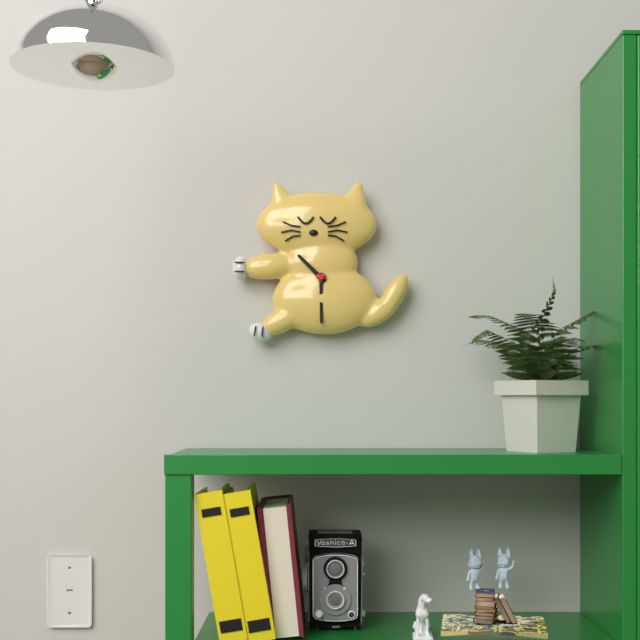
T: 10:30
